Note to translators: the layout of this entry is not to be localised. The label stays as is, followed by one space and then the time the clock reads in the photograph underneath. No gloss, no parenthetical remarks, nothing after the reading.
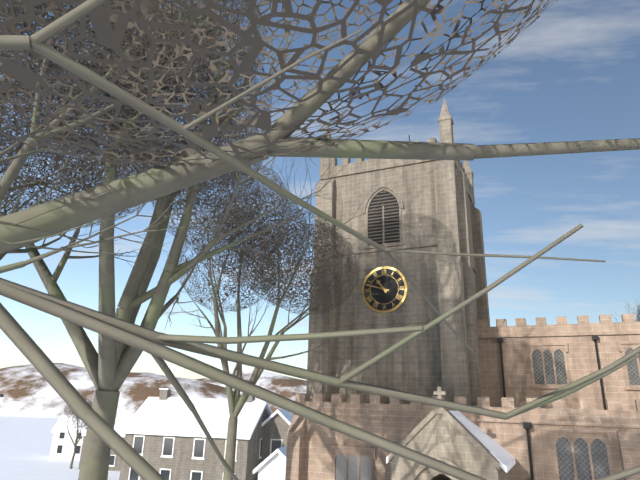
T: 10:48
